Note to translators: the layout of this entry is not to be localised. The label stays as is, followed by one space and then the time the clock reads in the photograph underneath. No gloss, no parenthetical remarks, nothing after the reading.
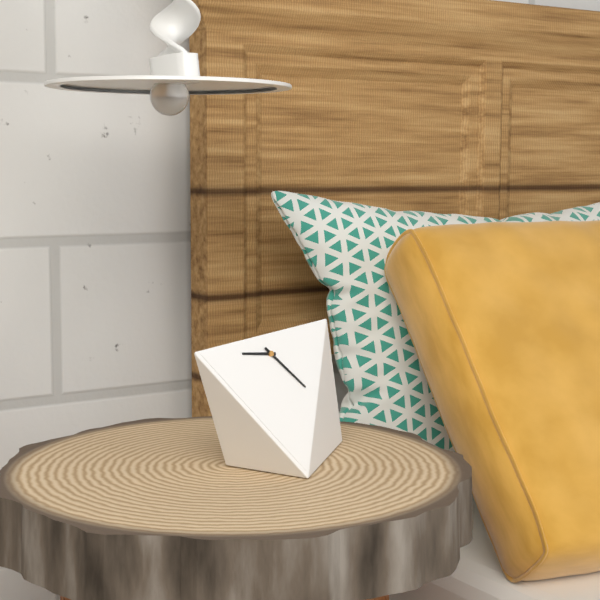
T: 9:24
